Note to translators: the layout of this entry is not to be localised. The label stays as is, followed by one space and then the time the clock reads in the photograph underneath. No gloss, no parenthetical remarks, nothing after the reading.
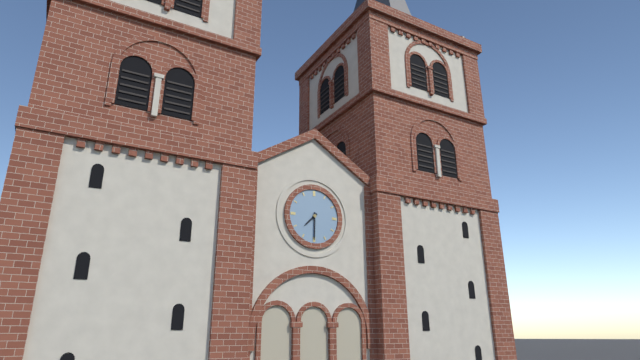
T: 7:30
